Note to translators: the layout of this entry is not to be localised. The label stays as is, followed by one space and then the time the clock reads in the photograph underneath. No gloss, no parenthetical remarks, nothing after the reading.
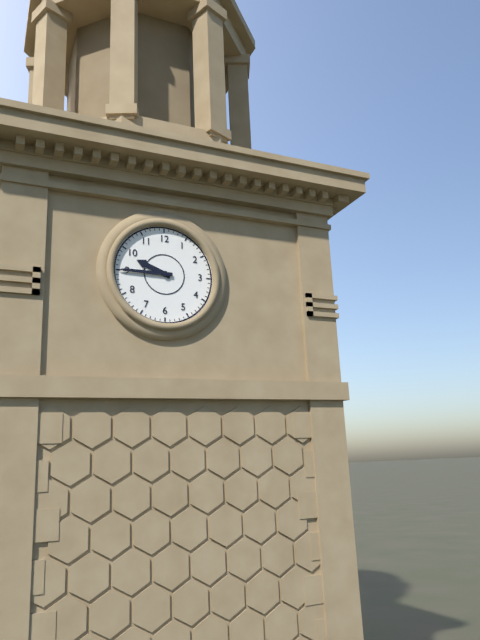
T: 9:45
